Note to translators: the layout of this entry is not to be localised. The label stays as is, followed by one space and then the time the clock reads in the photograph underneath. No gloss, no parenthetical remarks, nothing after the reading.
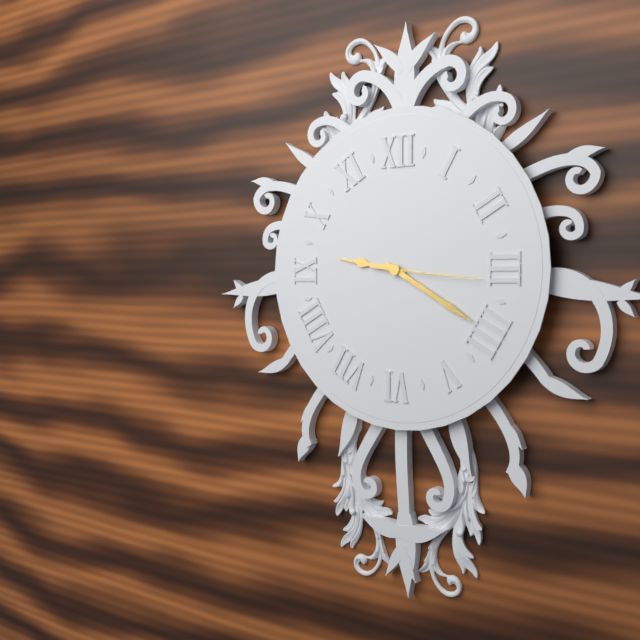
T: 9:20:16
